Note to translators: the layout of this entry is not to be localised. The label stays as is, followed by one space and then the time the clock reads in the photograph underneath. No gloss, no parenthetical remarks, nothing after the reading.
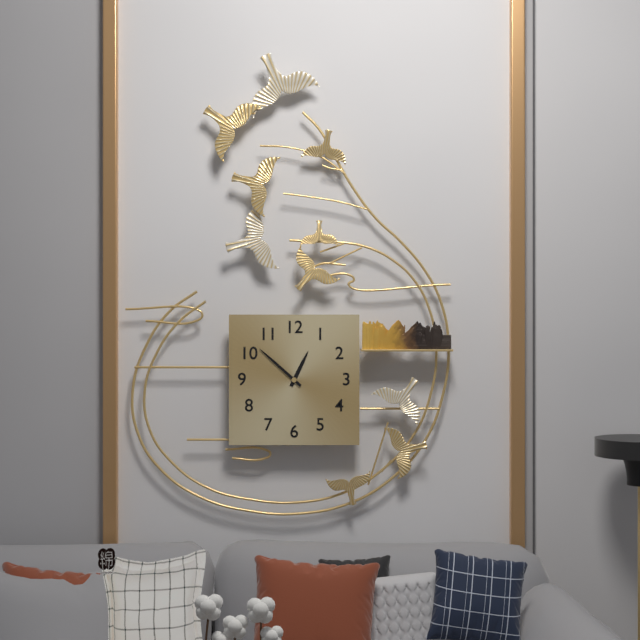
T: 12:52
